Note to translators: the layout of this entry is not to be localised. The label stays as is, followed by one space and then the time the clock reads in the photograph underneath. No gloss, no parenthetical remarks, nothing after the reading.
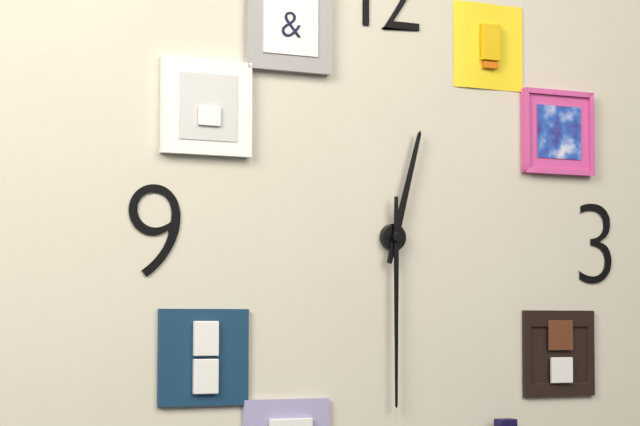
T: 12:30
